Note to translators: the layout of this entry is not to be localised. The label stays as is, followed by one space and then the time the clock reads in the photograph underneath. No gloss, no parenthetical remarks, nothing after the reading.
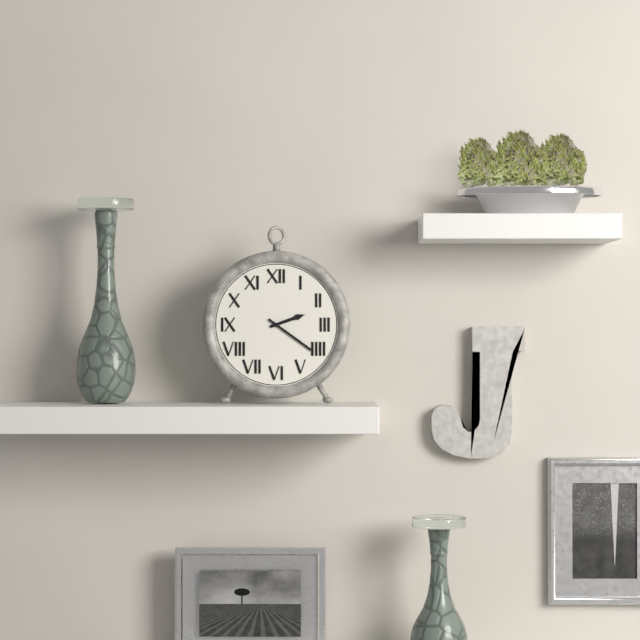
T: 2:21
